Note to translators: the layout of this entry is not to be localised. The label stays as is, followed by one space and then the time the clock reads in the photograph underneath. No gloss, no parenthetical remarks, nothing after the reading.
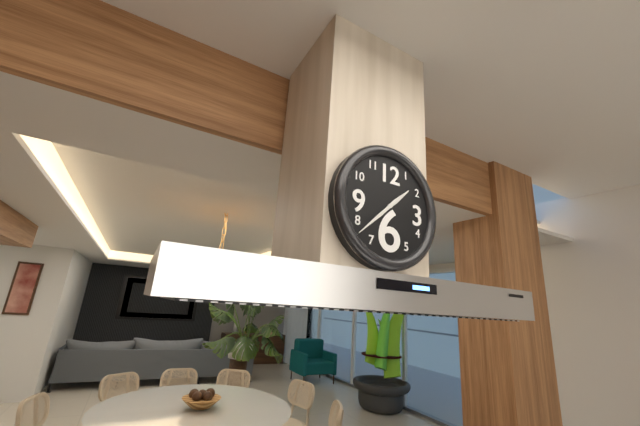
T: 1:38
